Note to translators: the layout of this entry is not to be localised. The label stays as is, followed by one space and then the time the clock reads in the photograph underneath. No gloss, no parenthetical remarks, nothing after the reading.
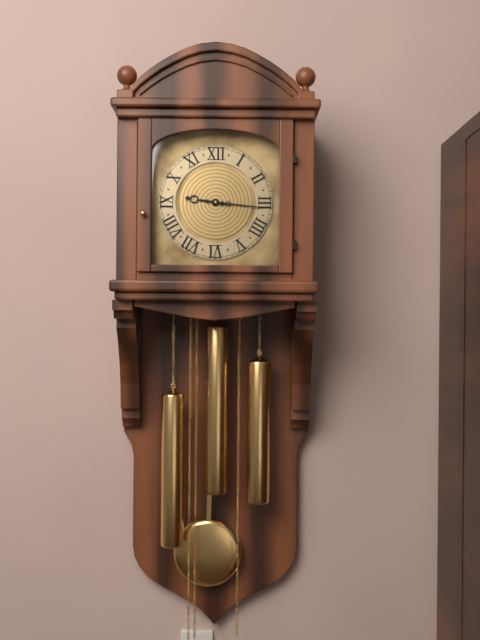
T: 9:16
